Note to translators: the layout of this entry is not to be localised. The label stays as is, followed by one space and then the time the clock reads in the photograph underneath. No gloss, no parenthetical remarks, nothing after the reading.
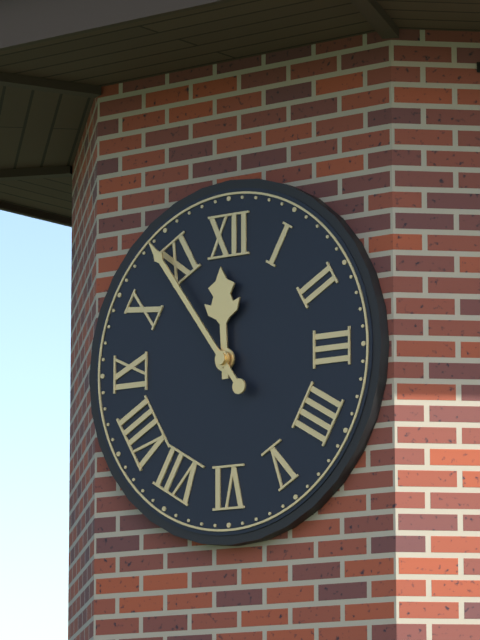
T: 11:54
